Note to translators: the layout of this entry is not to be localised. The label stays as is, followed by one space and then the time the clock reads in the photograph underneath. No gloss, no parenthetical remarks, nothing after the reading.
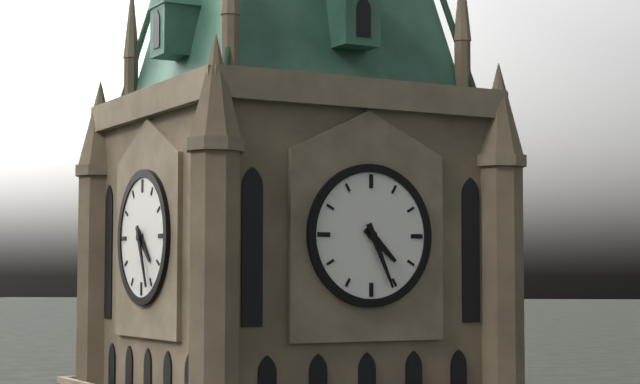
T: 4:26
